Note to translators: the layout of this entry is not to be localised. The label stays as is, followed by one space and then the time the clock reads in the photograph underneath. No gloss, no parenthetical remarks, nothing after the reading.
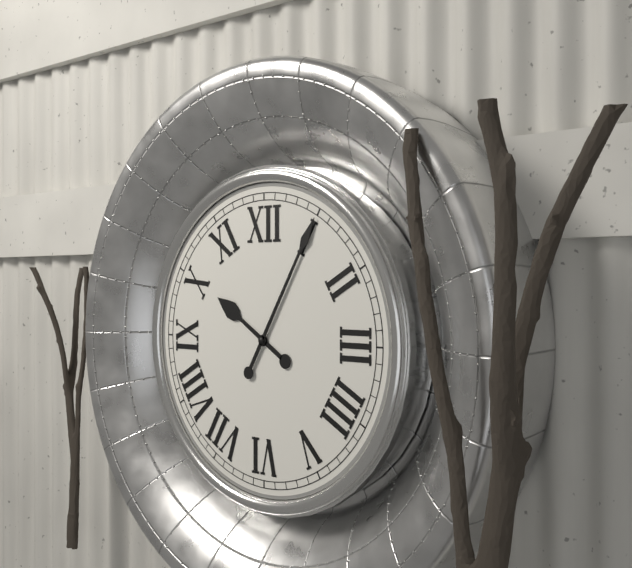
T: 10:05
